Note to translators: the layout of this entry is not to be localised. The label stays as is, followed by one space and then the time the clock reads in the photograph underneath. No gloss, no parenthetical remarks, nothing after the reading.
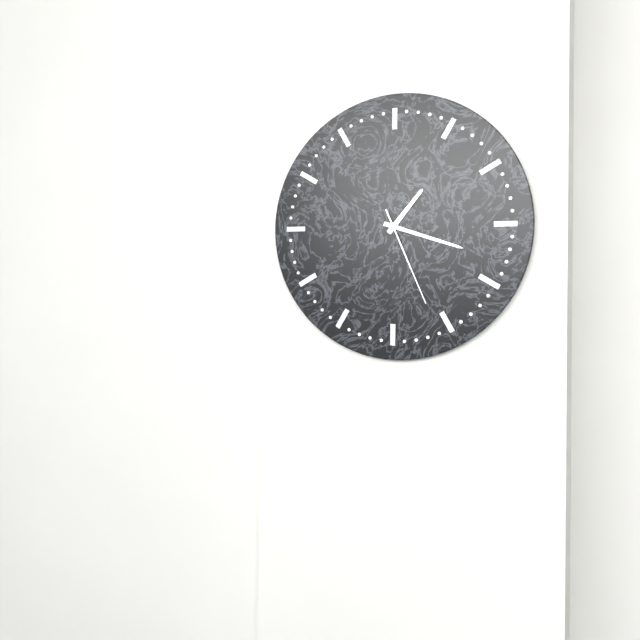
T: 1:18:26
